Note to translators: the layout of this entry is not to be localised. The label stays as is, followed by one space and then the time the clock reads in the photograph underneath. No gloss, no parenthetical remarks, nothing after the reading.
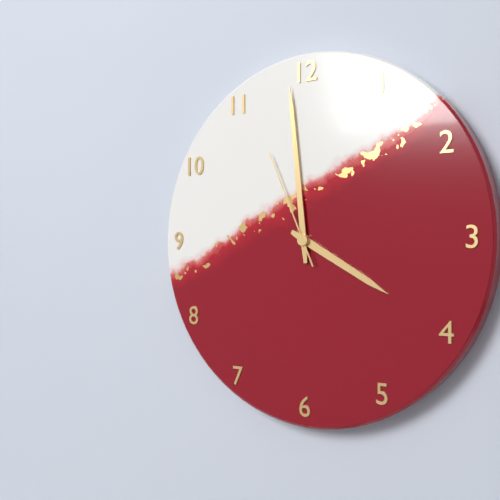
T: 3:59:56
